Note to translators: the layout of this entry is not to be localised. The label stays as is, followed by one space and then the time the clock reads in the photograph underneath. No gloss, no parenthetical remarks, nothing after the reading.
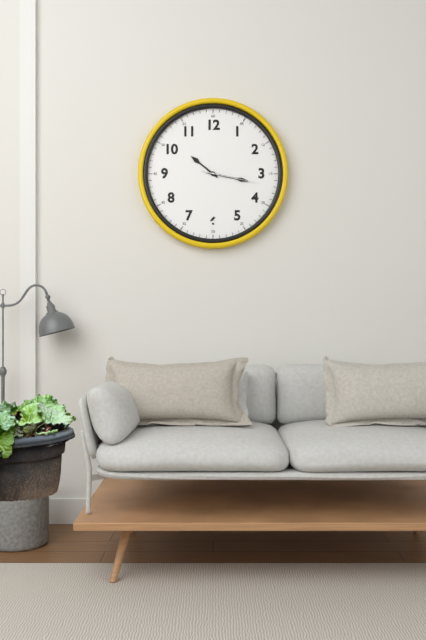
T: 10:17:17
